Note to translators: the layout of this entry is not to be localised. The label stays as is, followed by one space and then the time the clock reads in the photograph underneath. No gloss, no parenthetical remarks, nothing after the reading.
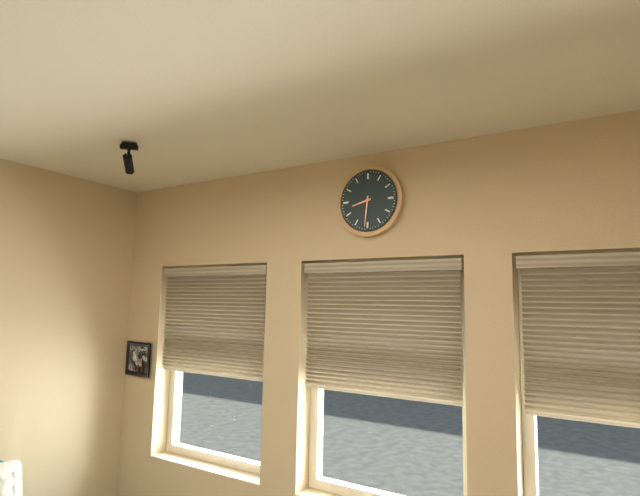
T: 8:31
